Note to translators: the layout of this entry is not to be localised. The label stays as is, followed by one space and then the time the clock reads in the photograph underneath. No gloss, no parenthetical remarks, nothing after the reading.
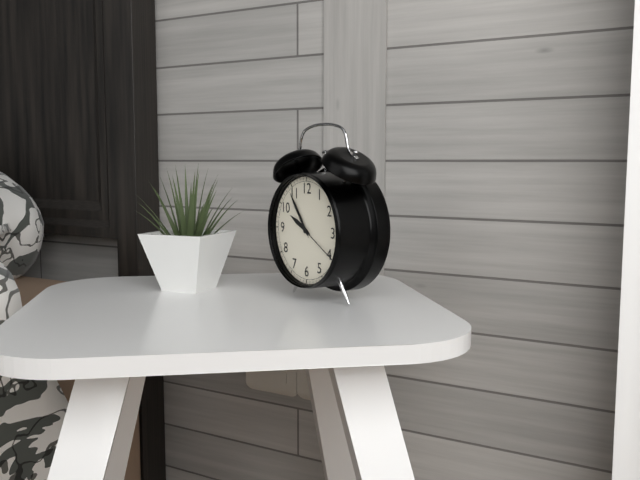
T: 9:54:20
